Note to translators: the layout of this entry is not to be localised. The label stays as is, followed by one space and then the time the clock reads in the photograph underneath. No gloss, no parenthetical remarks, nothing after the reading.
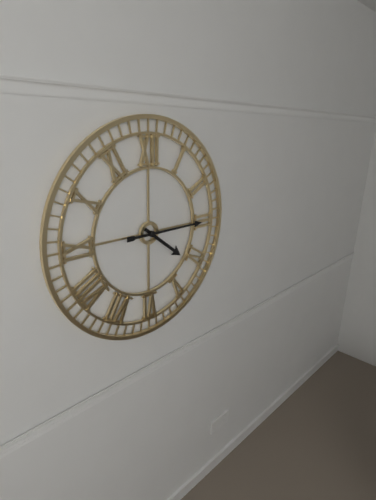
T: 4:15
